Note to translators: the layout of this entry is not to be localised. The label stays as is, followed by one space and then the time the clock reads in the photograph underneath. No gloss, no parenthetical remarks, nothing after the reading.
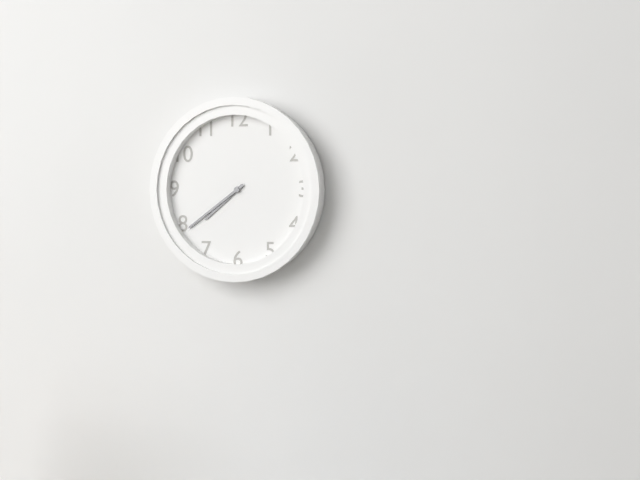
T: 7:39
